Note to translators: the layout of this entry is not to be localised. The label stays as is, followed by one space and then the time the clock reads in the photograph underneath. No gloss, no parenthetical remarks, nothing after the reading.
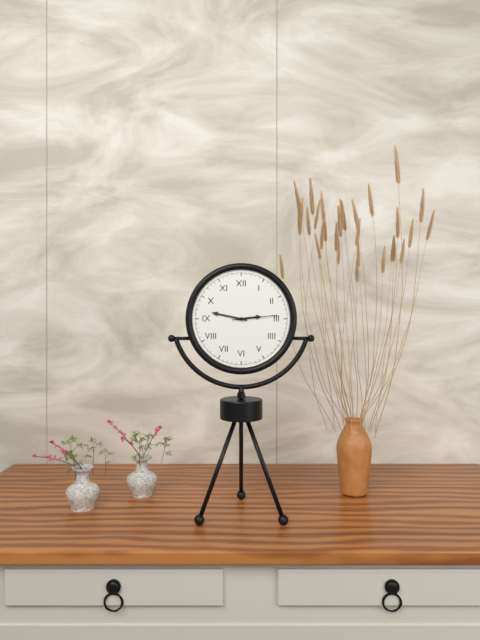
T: 2:47
